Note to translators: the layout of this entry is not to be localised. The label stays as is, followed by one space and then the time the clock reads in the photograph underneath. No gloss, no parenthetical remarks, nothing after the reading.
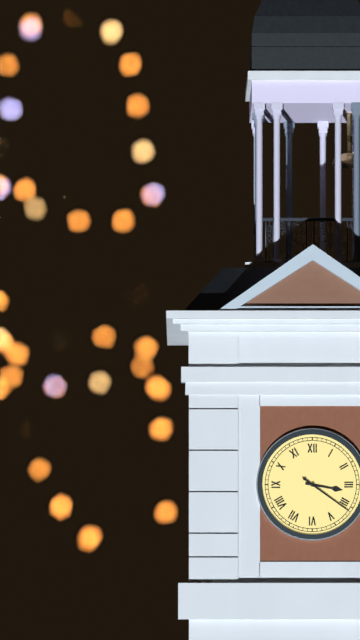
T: 3:21
